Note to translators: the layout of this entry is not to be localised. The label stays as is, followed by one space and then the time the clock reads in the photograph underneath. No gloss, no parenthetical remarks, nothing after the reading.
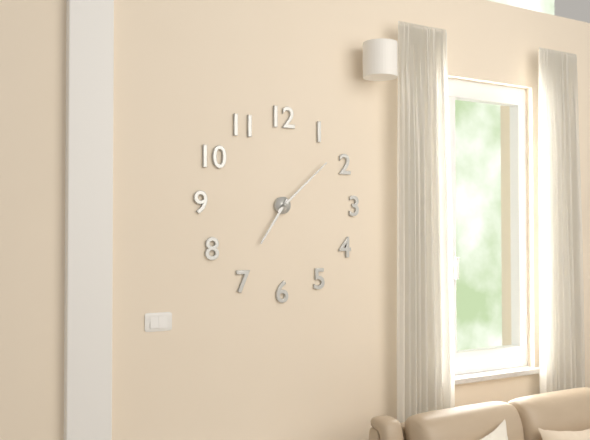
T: 7:08
